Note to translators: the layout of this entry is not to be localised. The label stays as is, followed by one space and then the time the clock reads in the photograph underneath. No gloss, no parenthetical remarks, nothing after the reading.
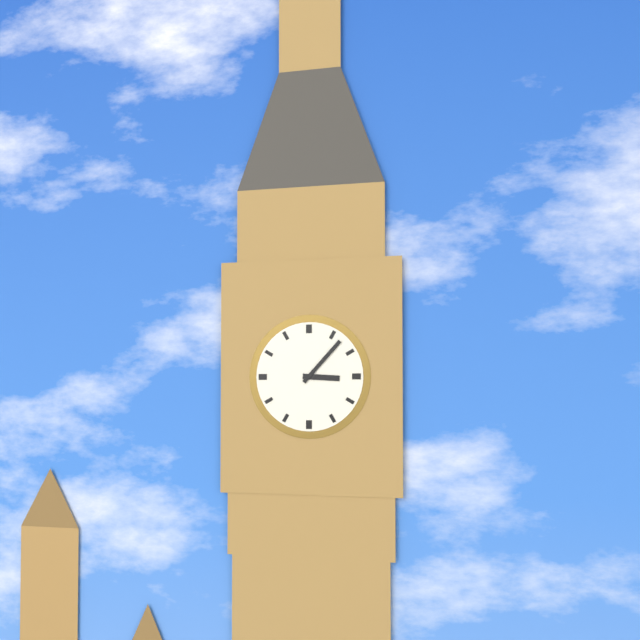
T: 3:07
